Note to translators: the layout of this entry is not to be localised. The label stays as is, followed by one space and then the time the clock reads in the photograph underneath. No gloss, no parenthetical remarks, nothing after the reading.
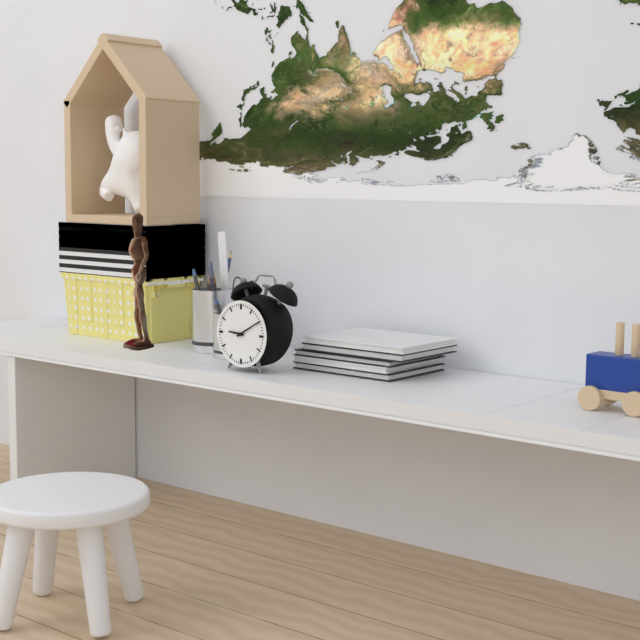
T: 9:10
